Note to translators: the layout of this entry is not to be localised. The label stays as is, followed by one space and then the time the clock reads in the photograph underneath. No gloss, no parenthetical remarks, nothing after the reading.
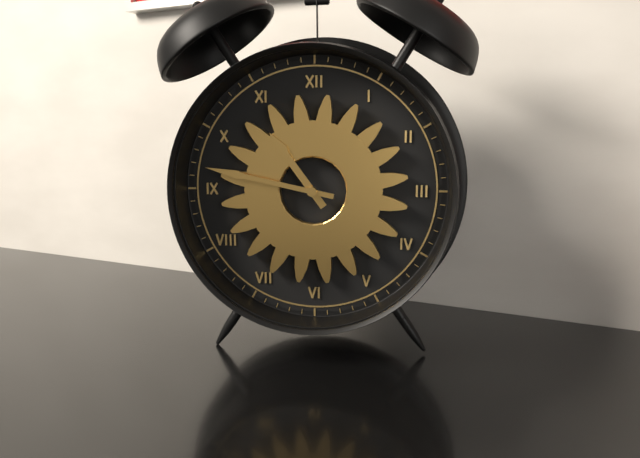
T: 10:47
